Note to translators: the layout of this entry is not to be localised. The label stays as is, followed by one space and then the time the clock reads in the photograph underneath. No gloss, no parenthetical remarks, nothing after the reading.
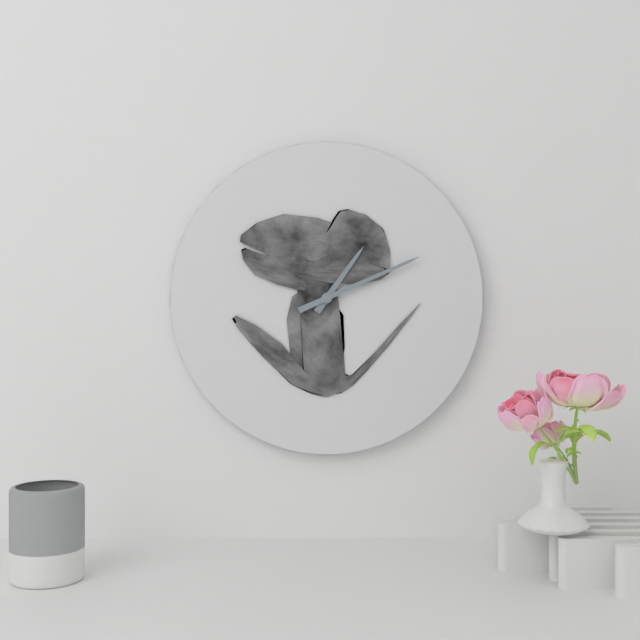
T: 1:11
